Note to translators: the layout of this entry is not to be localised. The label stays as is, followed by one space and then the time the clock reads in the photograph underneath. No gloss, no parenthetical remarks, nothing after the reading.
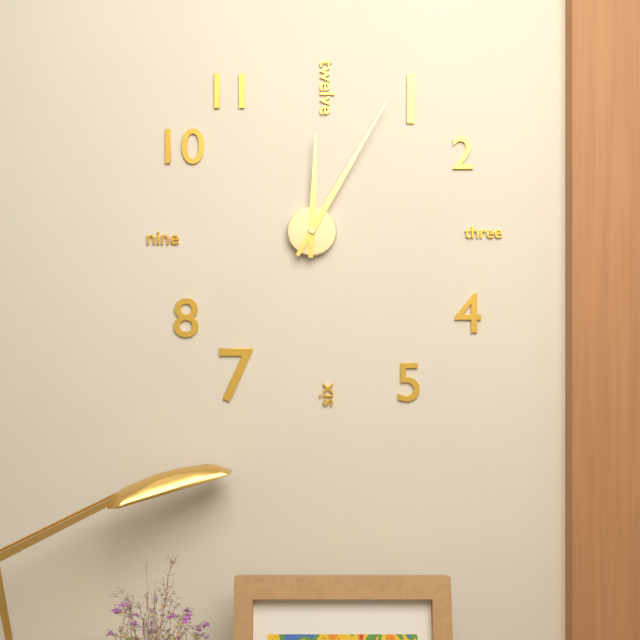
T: 12:05
